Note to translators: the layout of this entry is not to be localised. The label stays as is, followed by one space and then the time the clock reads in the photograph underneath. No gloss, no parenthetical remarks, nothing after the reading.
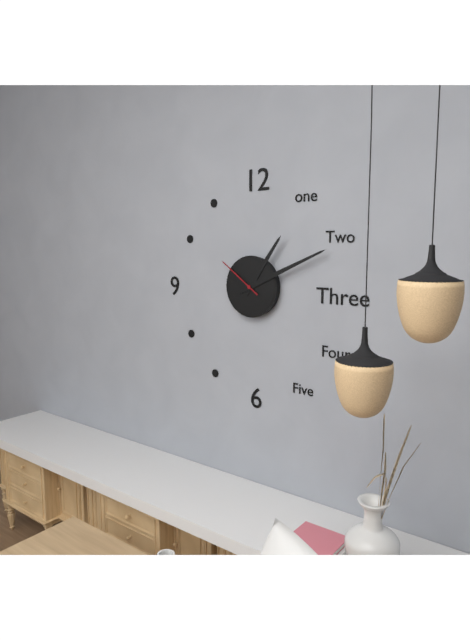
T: 1:11
